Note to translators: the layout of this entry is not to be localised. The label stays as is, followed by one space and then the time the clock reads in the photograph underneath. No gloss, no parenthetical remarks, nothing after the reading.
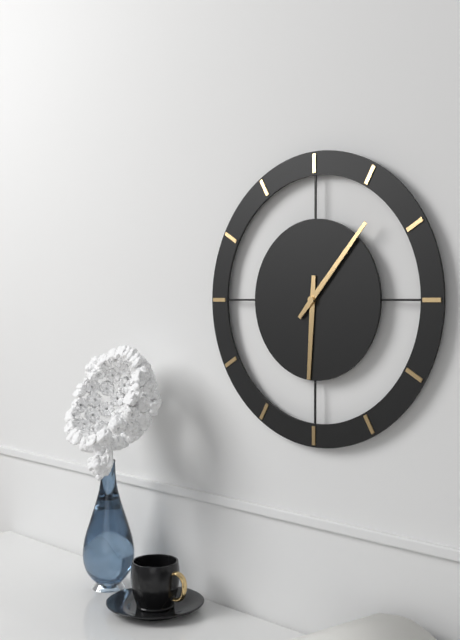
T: 6:07
